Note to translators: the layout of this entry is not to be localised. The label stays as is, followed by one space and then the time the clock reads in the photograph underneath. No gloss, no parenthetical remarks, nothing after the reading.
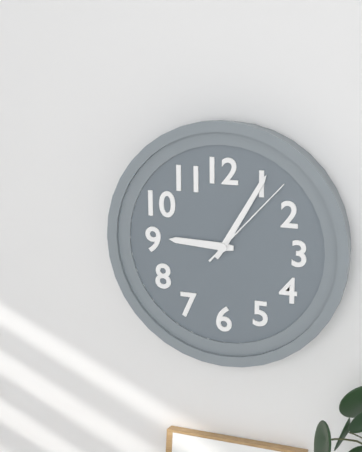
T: 9:05:07
